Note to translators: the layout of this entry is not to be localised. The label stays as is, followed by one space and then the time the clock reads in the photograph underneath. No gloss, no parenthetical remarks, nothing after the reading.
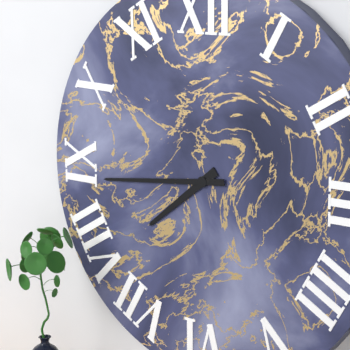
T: 7:44
